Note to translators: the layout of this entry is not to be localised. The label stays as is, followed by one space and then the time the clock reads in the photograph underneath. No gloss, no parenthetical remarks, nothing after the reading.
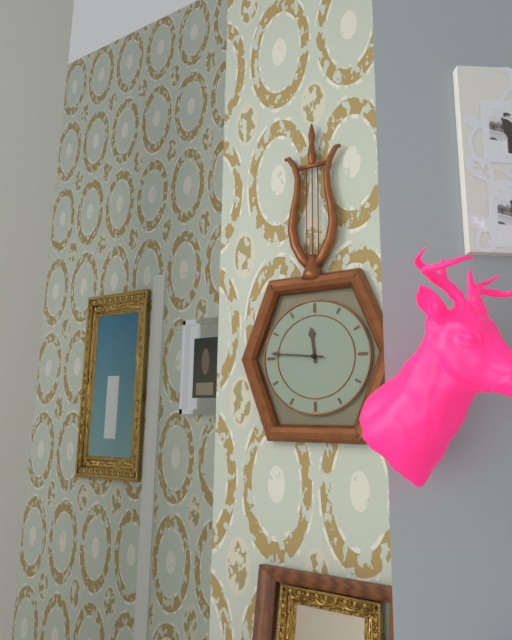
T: 11:46
